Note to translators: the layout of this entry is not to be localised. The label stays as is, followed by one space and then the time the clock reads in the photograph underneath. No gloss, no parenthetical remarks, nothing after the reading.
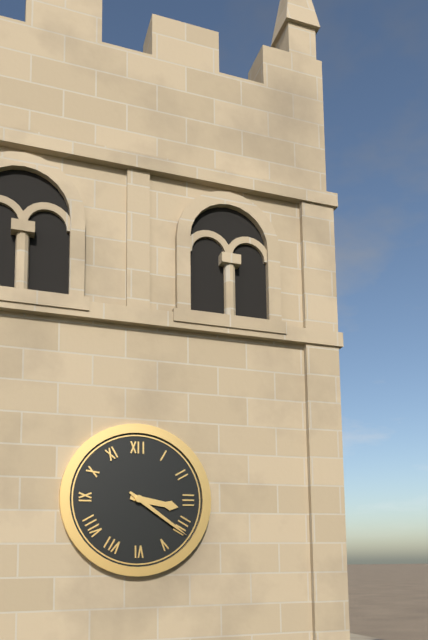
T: 3:21
